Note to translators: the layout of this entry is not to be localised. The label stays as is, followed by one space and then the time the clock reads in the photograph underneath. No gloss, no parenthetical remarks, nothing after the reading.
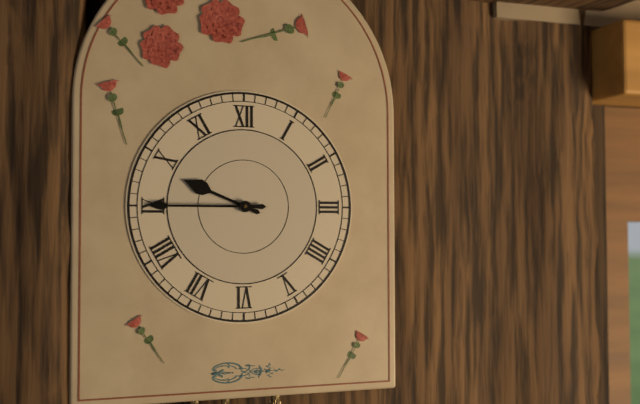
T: 9:45
